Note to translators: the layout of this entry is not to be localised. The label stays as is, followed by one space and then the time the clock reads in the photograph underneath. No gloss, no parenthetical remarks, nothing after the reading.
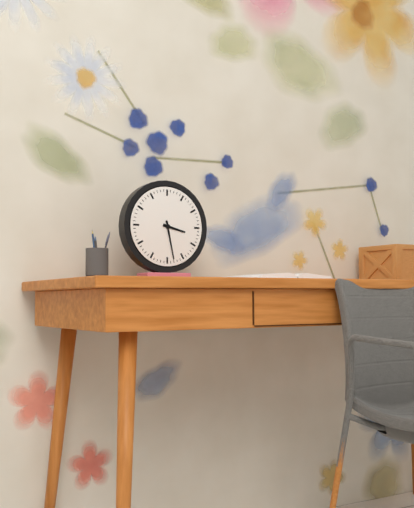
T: 3:28
